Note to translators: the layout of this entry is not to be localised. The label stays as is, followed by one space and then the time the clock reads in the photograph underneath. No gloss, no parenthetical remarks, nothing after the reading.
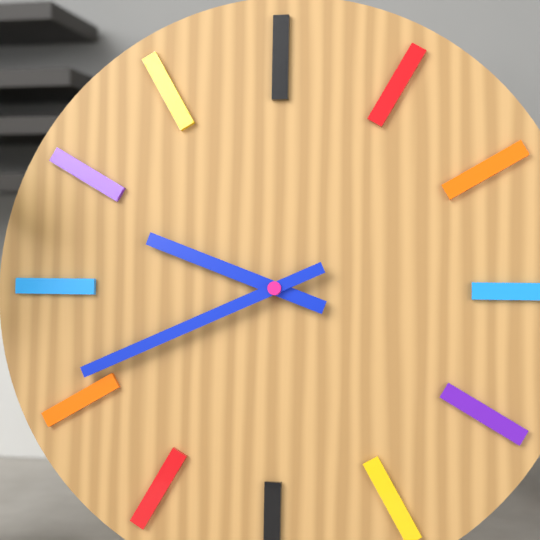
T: 9:41
